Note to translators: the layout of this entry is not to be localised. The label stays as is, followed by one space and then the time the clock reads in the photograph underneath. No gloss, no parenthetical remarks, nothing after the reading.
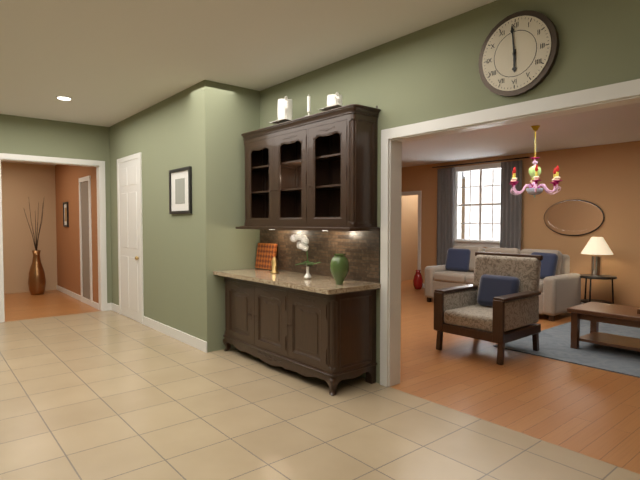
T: 5:59
